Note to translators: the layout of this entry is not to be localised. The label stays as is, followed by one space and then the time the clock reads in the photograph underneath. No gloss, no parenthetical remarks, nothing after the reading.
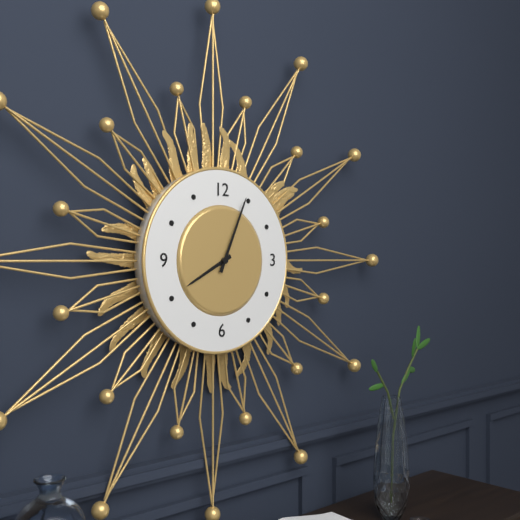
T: 8:04
